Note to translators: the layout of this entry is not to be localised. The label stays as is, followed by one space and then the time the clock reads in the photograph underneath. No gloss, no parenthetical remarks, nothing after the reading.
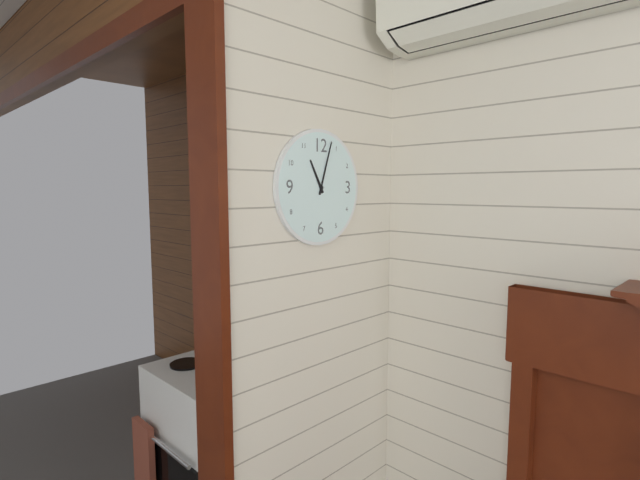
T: 11:03
